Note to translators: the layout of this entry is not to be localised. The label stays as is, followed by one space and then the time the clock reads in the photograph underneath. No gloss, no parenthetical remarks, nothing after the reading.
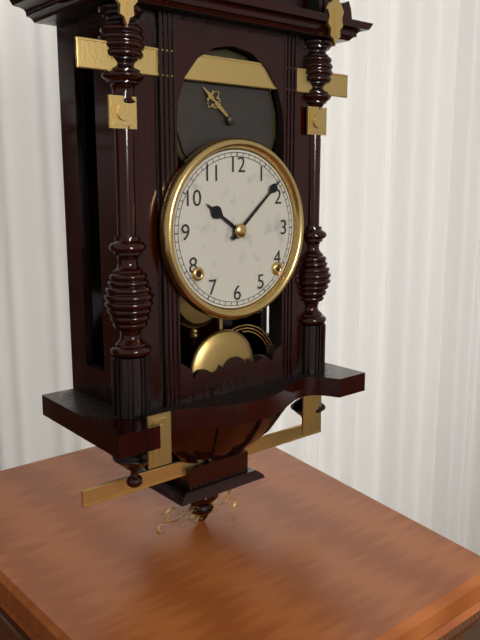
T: 10:08
